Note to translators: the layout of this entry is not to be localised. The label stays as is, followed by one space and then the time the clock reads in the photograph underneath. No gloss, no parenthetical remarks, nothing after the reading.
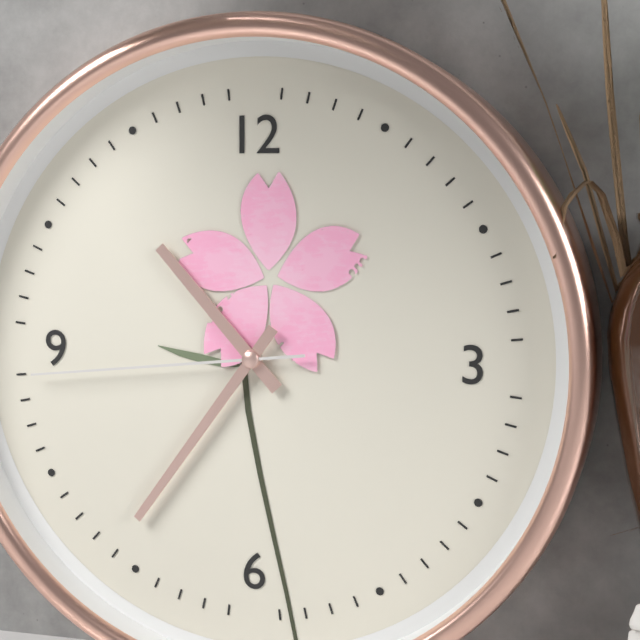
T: 10:36:44
